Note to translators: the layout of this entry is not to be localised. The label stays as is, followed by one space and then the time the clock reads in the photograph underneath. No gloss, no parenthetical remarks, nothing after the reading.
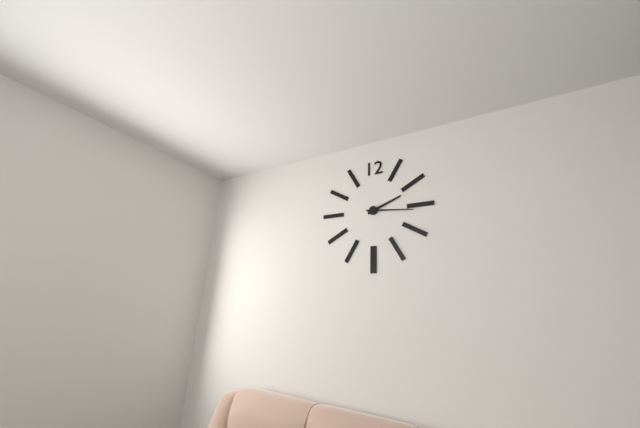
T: 2:16
